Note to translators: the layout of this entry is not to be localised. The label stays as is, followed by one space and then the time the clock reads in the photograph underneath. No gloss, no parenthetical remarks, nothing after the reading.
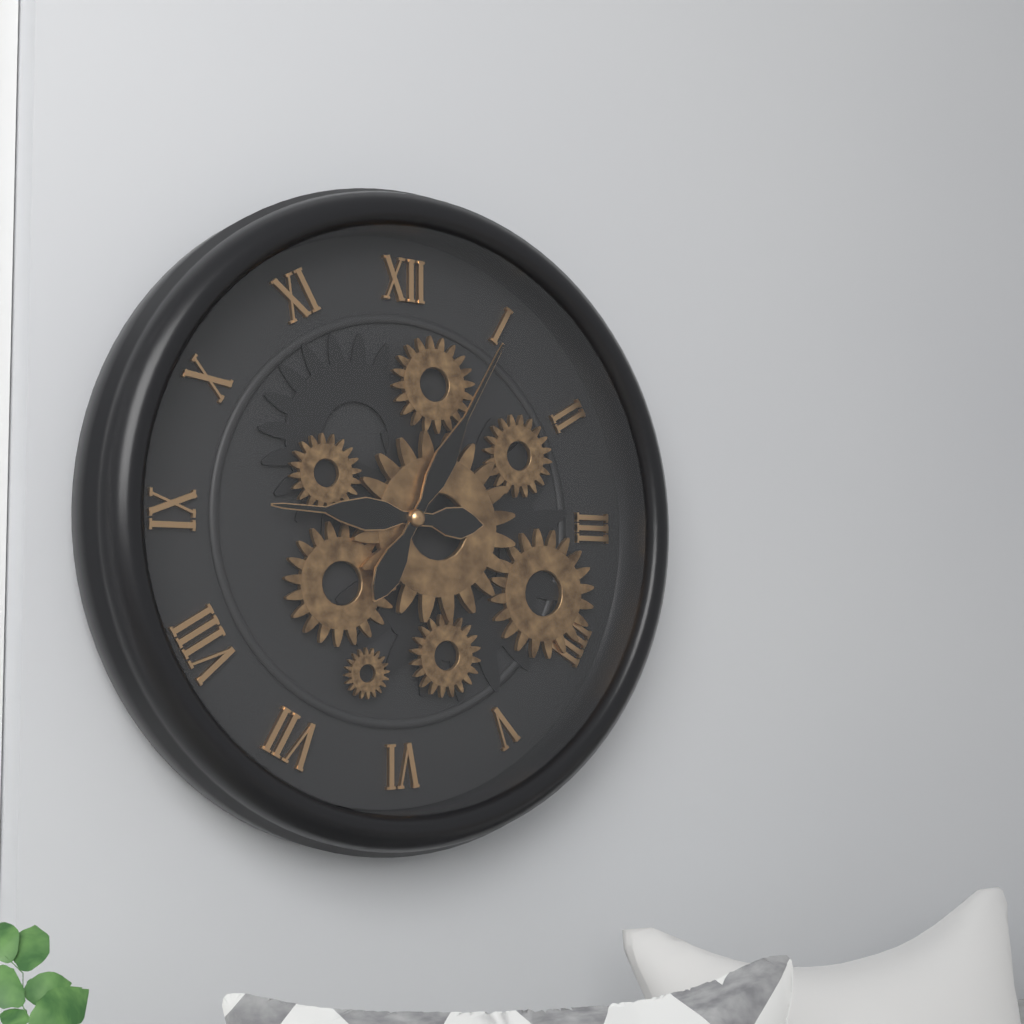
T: 9:05
